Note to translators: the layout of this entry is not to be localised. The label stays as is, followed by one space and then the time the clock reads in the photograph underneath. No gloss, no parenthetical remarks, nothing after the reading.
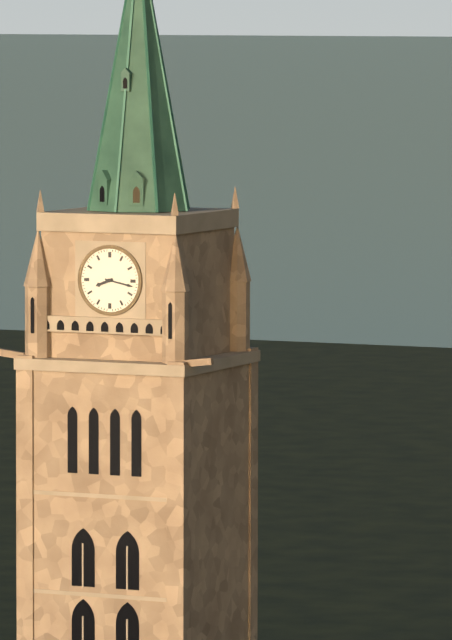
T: 8:17
